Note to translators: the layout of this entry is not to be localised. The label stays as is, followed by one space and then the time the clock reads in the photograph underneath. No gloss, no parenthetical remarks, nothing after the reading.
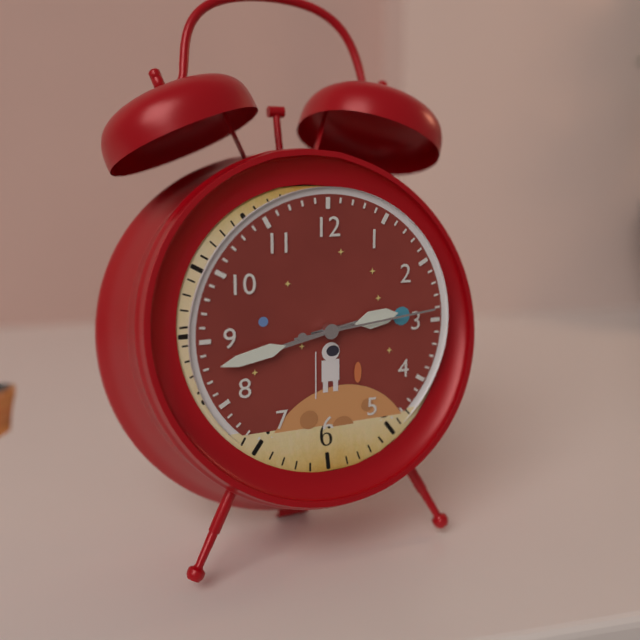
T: 2:43:14
